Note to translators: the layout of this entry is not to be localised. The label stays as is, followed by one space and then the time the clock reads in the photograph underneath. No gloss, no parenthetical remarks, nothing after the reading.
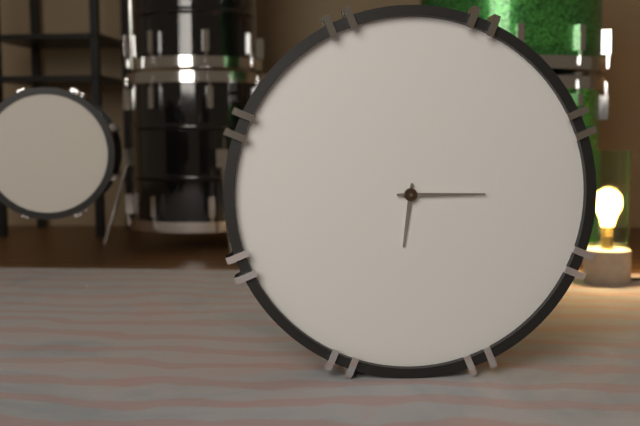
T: 6:15
